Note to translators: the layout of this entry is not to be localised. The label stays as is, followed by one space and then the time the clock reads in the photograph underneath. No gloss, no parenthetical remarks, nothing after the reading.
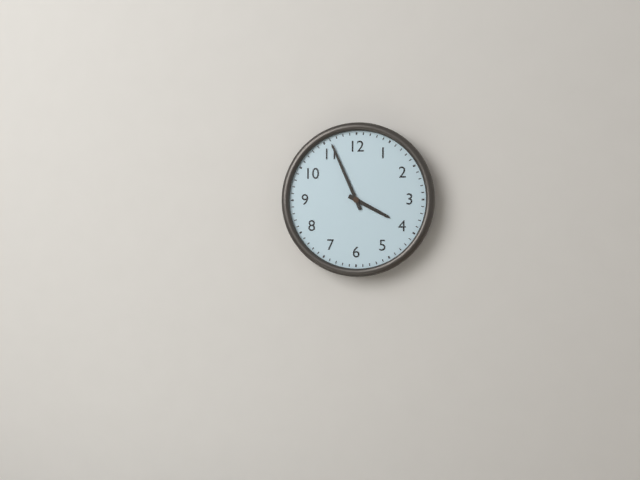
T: 3:56
